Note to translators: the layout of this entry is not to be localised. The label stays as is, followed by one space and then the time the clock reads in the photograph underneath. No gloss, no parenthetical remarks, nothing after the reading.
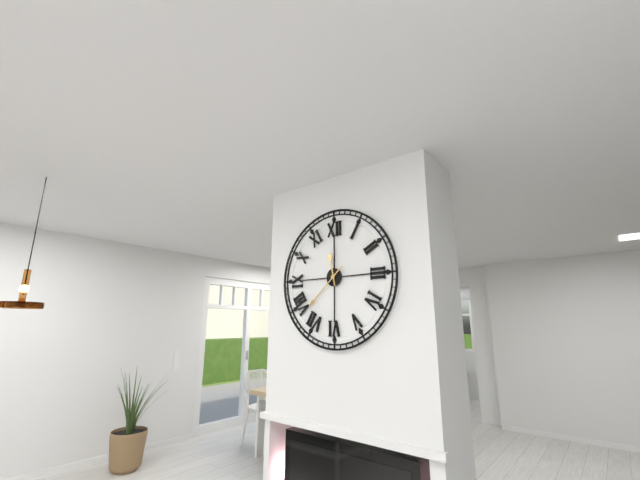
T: 11:38
